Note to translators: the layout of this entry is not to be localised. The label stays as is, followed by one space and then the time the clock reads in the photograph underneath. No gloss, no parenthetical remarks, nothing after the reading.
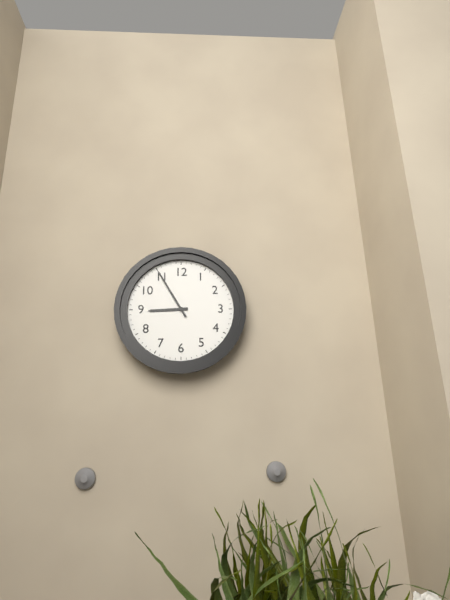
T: 8:55
